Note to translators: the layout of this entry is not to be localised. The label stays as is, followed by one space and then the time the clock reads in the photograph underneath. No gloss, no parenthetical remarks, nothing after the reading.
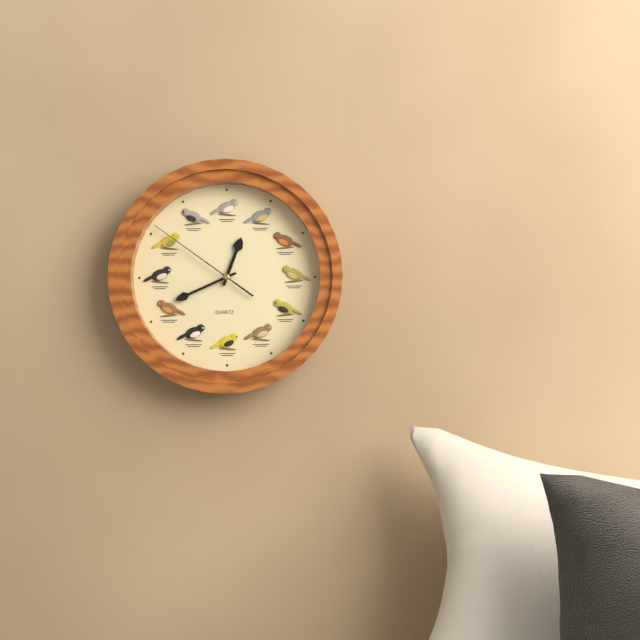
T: 12:41:51
